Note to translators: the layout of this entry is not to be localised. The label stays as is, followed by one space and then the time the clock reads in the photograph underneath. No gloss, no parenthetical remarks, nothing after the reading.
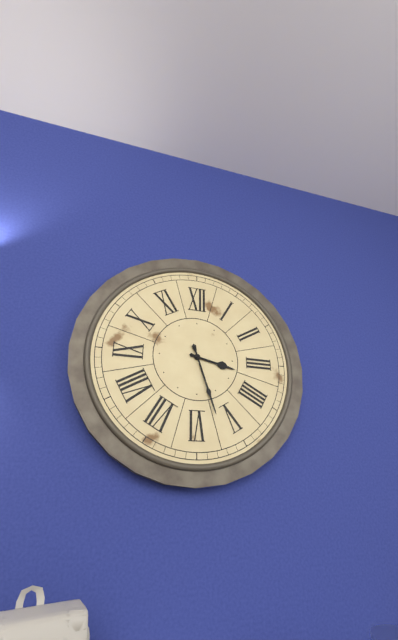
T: 3:27
